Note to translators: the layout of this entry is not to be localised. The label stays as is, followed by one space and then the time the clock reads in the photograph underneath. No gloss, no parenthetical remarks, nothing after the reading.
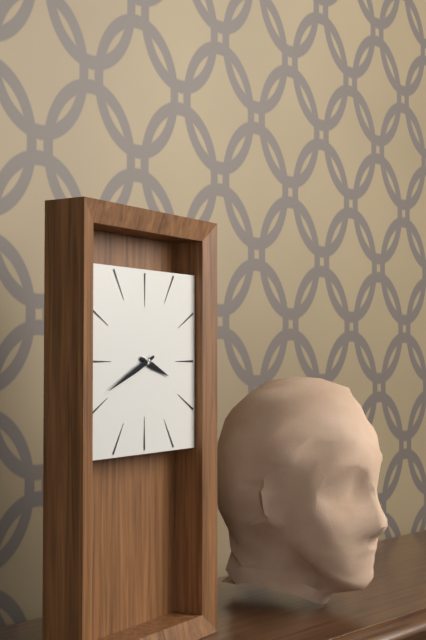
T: 3:41
